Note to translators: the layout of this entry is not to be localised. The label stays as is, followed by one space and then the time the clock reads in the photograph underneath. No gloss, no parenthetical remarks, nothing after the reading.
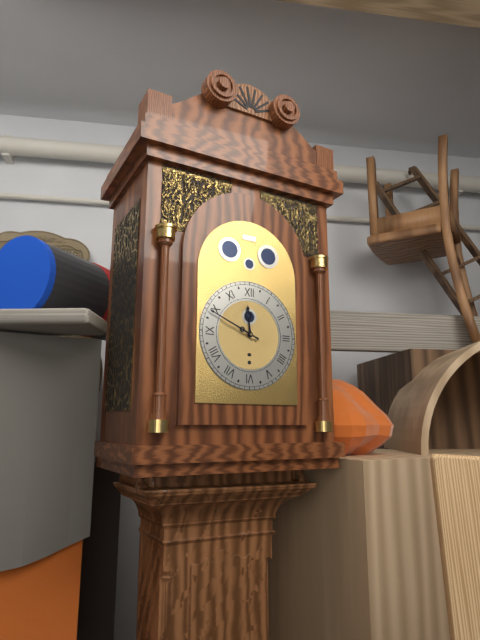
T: 11:49
